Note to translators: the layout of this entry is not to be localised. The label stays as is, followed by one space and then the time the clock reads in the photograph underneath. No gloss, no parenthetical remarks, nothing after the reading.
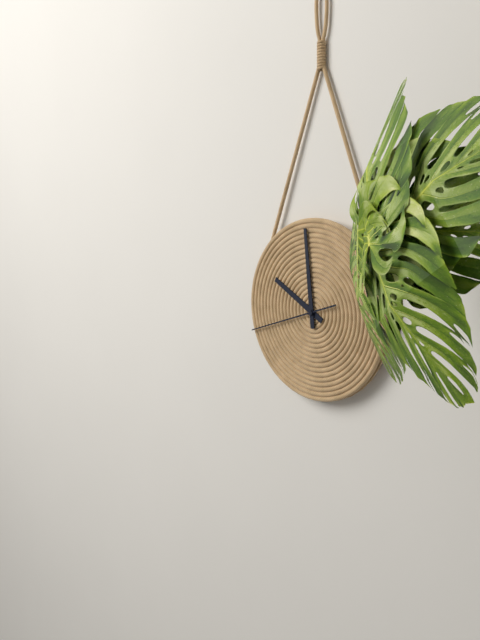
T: 9:59:42
